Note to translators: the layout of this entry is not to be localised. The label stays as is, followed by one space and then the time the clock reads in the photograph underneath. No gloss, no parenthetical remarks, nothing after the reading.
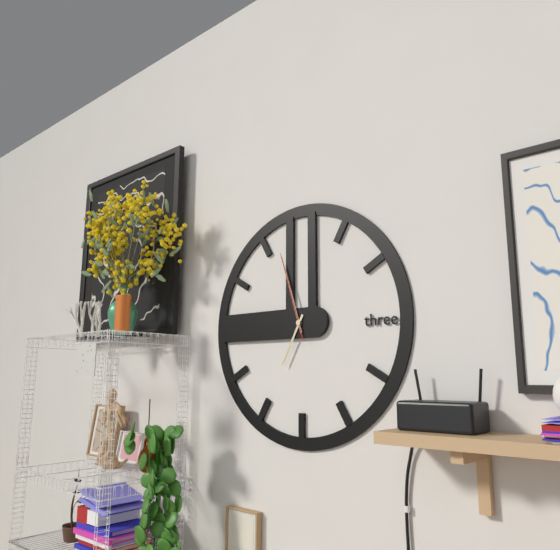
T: 6:57:57
